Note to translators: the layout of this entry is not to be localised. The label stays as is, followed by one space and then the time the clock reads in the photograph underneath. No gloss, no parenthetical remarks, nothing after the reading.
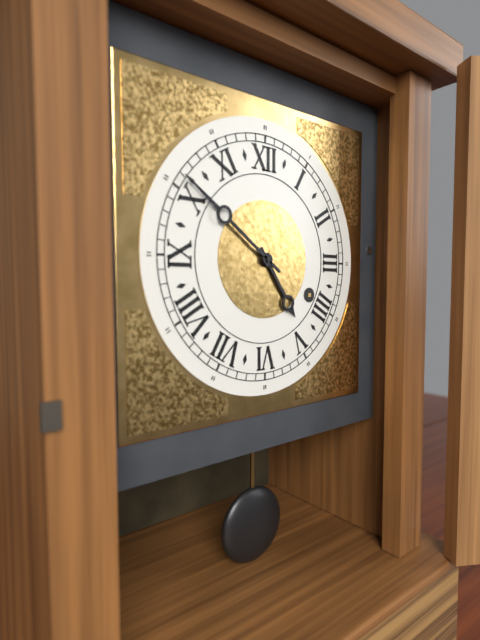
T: 4:51
